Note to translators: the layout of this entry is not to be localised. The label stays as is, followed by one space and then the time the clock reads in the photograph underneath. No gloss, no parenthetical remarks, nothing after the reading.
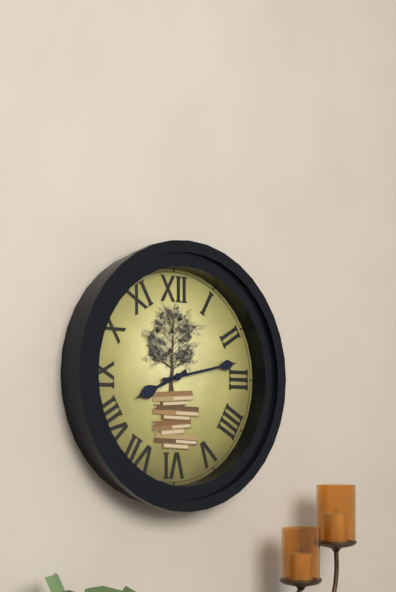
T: 8:13
